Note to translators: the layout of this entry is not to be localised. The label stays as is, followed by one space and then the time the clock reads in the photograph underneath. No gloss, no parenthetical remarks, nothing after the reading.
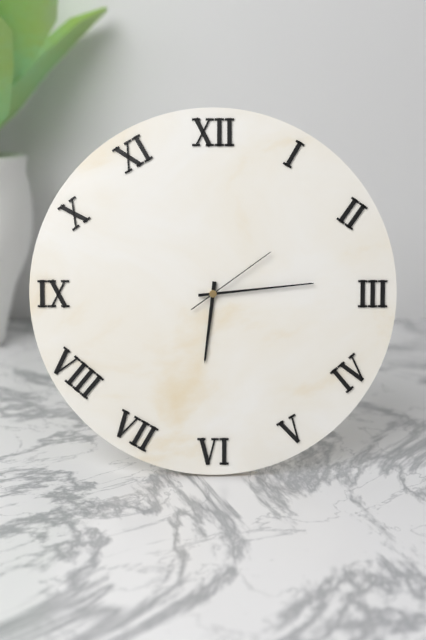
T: 6:14:09
